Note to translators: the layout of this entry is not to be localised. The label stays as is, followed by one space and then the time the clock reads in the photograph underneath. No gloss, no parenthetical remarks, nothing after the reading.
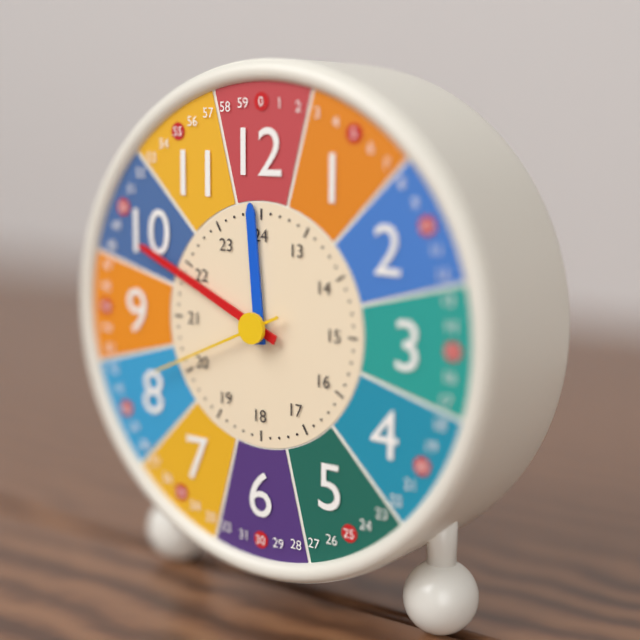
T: 11:49:41
